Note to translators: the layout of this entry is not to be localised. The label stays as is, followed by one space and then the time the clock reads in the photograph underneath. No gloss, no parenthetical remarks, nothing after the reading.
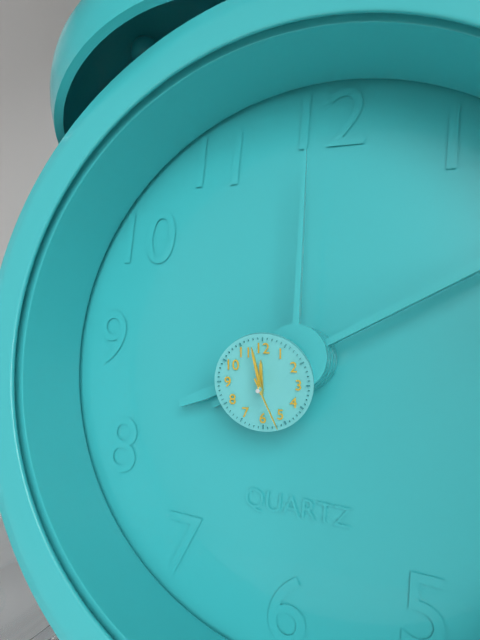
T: 11:58:26
